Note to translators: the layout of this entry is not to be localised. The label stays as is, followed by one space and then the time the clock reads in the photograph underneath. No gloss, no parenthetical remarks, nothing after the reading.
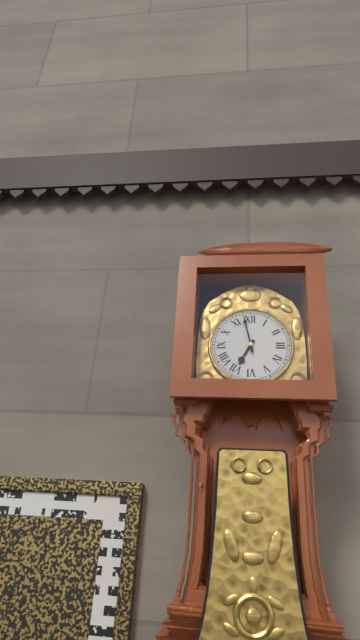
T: 6:58
